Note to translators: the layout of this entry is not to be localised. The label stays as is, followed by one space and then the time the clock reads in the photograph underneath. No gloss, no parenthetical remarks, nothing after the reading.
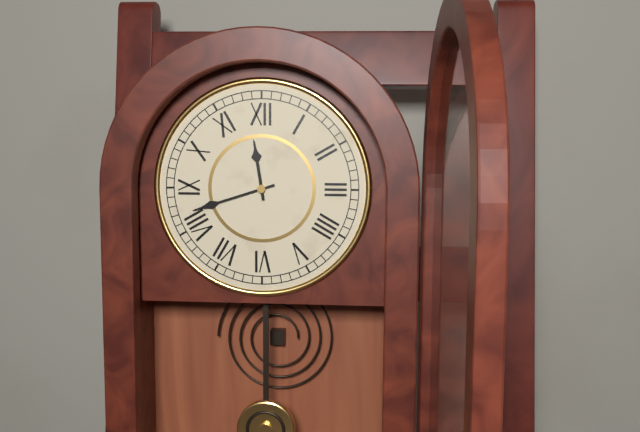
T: 11:42
